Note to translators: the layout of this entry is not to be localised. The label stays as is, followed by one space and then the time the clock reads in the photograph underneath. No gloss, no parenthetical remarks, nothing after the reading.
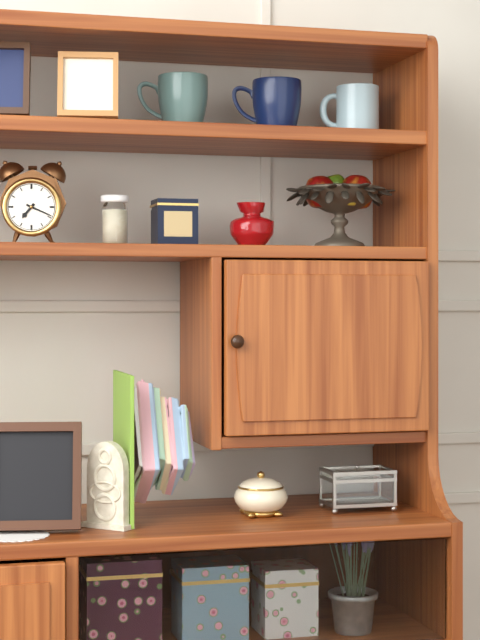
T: 7:19
